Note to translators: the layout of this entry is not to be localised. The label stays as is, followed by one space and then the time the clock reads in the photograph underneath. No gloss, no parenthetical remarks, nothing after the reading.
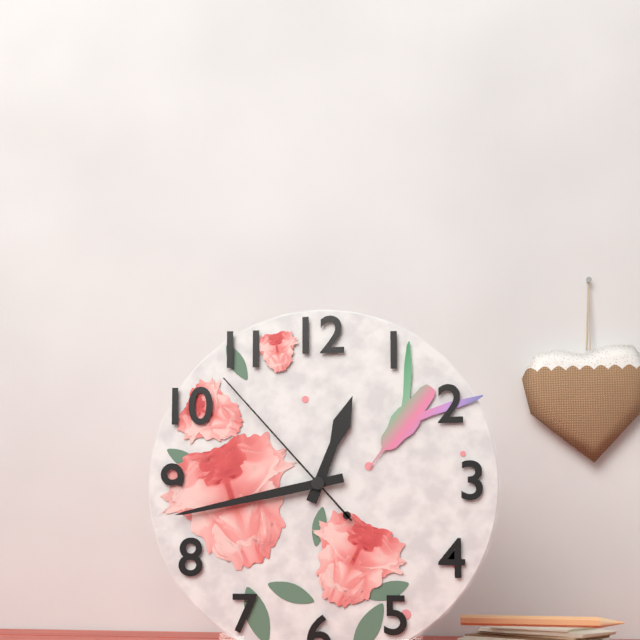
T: 12:43:53
